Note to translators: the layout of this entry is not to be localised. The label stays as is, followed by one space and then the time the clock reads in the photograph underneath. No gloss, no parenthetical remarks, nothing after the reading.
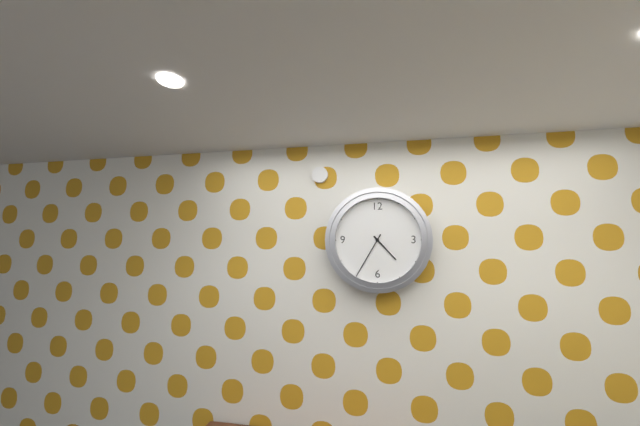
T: 4:35
